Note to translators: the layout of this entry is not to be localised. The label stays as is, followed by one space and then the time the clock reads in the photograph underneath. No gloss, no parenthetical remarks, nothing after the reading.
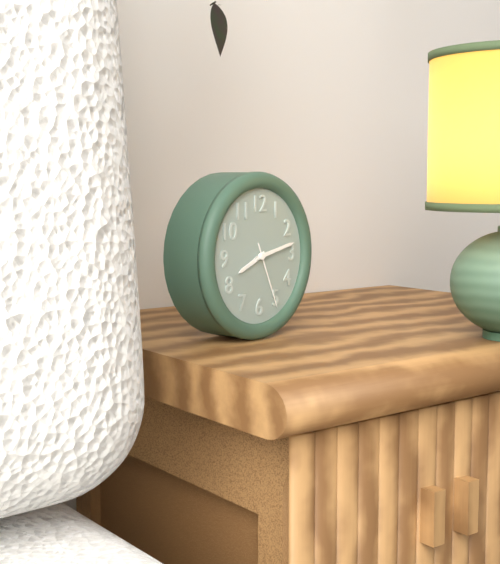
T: 8:13:26
